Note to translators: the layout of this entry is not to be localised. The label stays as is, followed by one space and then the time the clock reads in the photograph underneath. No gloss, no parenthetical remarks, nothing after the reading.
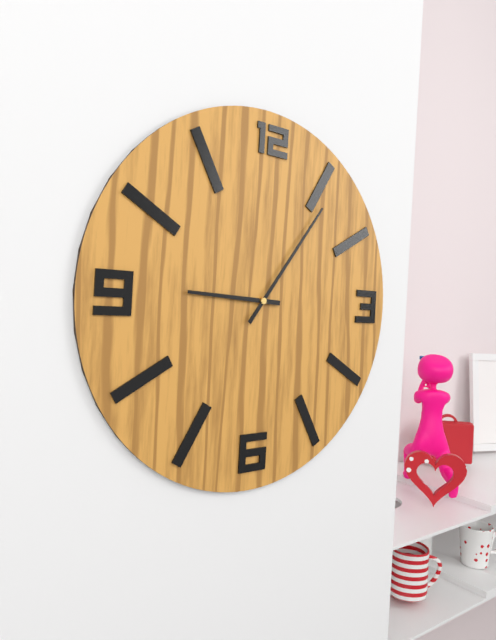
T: 9:06
